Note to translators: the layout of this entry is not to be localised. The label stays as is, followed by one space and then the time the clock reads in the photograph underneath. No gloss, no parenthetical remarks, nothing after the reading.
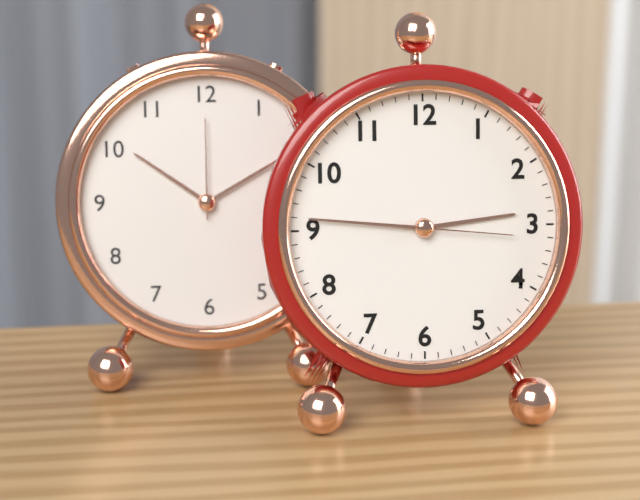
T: 2:46:16
